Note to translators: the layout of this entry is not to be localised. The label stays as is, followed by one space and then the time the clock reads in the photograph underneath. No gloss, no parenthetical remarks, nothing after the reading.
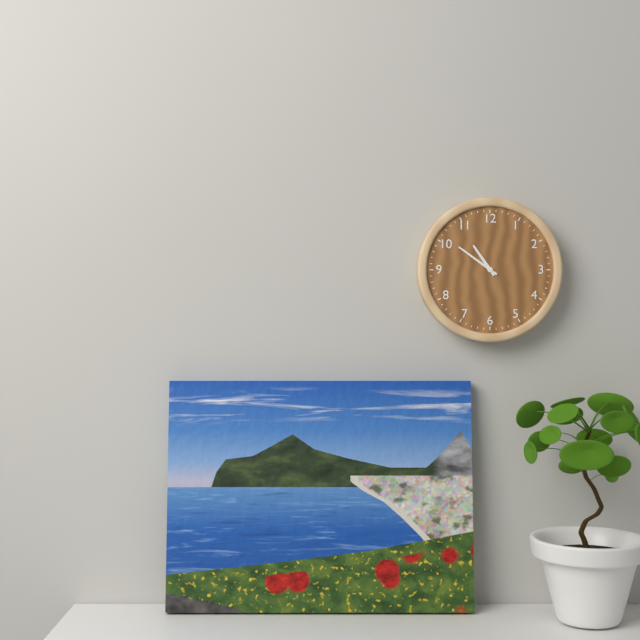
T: 10:51
